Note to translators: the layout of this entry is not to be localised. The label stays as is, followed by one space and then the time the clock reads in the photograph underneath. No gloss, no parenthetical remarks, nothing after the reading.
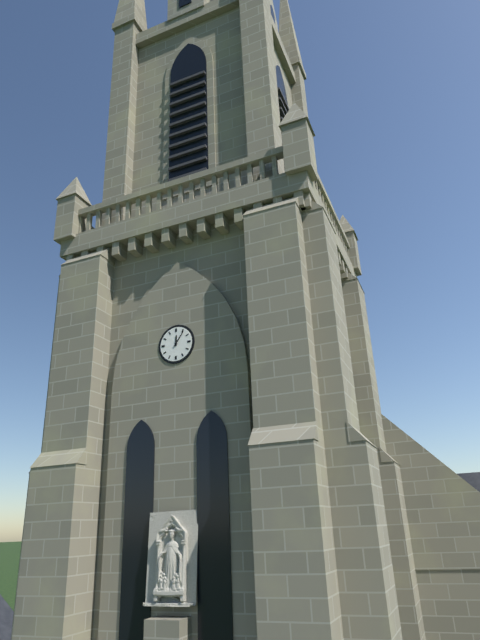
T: 12:06
